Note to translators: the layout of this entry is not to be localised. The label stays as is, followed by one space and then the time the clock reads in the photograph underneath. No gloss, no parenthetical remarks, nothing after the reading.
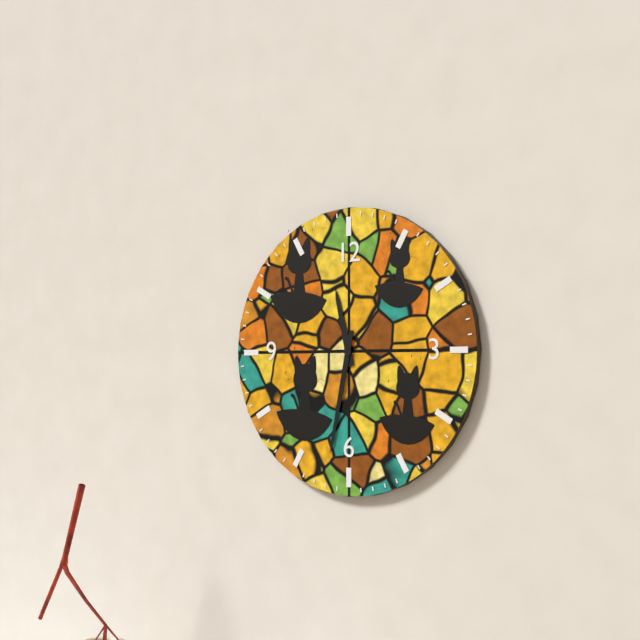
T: 11:32
